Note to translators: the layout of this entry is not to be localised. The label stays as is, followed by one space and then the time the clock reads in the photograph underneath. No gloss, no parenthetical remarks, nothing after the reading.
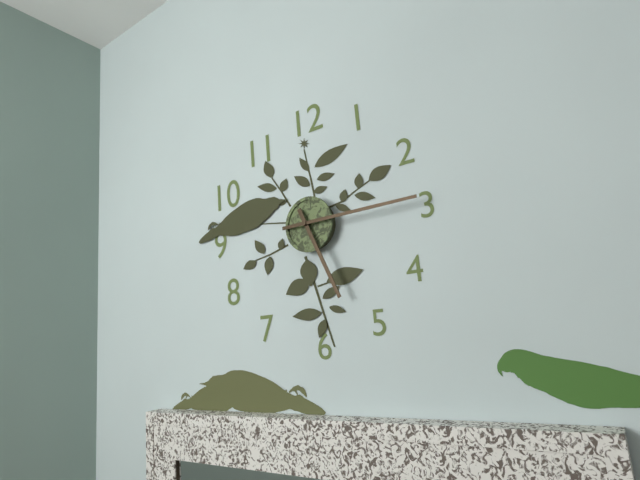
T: 5:15
